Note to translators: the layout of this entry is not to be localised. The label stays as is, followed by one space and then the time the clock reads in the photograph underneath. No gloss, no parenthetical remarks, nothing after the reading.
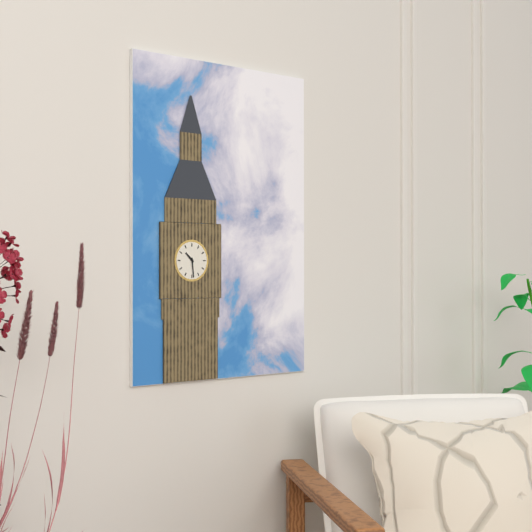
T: 10:29
